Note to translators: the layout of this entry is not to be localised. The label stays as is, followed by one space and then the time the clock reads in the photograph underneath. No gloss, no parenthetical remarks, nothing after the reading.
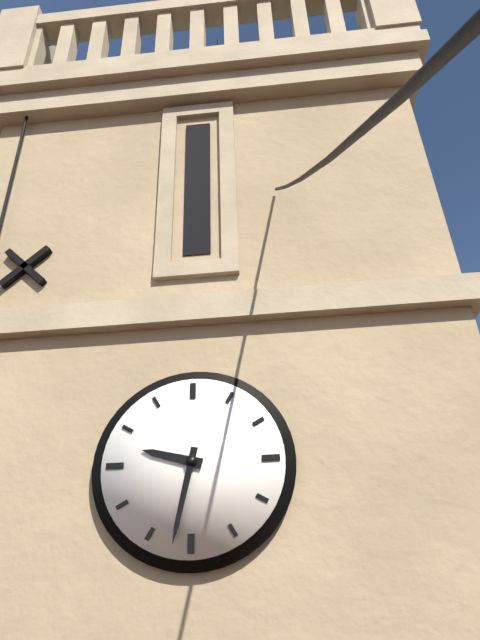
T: 9:32
